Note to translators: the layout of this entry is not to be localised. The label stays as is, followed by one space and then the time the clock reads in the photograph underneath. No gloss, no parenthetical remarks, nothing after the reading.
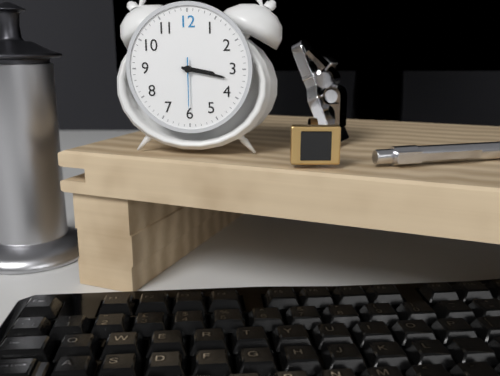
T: 3:17:30
